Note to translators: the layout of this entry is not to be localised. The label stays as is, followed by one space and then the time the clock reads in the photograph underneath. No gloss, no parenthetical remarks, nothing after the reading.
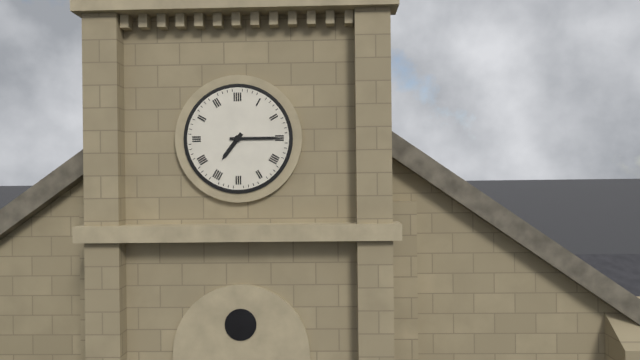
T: 7:15
